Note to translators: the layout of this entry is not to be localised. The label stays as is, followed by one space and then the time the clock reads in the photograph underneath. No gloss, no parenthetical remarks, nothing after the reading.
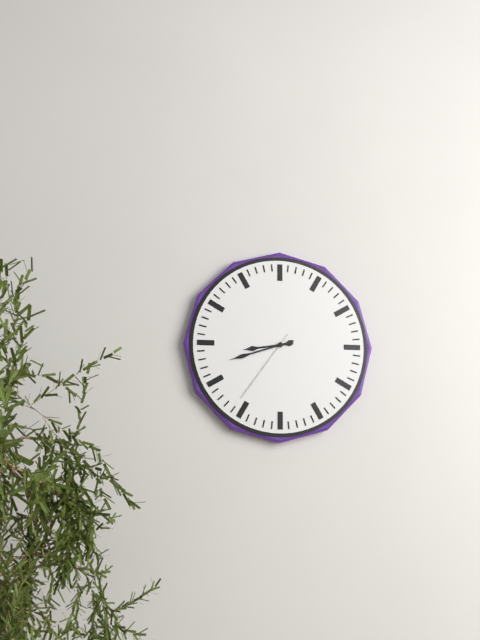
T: 8:42:36
